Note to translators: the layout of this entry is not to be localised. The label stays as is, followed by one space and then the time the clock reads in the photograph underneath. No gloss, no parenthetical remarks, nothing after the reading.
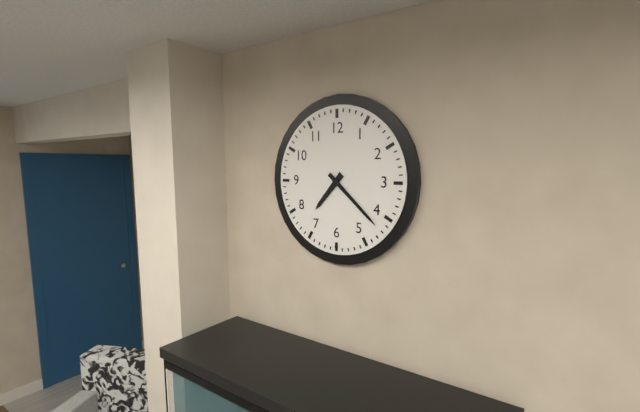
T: 7:22
